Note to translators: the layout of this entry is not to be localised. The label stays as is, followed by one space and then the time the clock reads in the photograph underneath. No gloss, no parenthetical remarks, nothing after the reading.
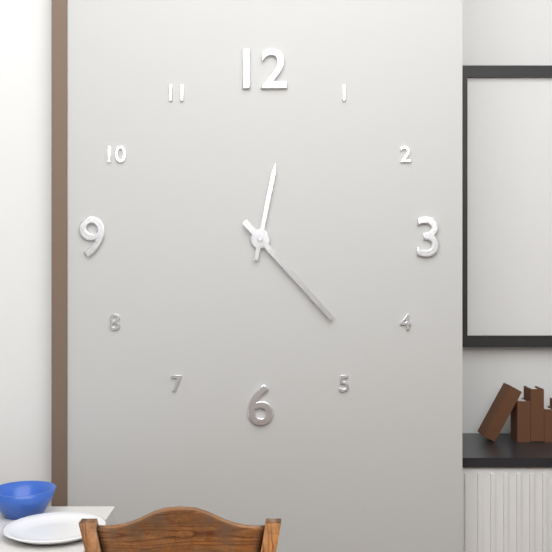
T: 12:23
